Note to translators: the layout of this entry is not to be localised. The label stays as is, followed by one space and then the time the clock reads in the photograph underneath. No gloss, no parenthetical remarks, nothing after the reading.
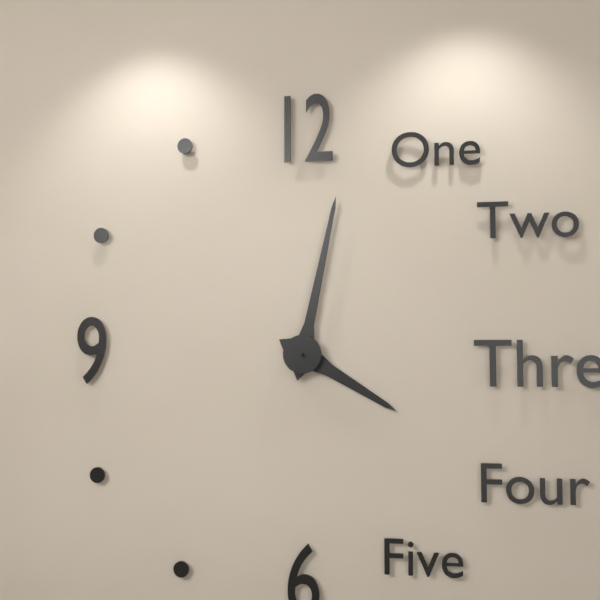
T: 4:02
